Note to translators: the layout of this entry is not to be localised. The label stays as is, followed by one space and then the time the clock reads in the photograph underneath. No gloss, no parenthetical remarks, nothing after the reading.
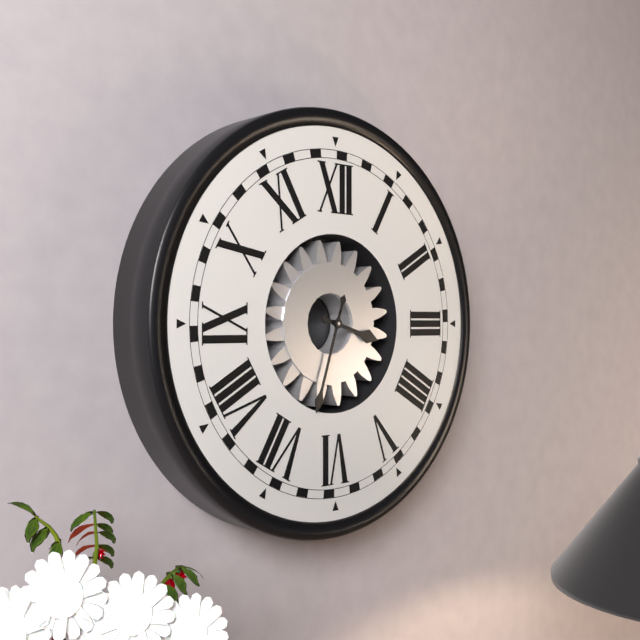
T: 3:33
